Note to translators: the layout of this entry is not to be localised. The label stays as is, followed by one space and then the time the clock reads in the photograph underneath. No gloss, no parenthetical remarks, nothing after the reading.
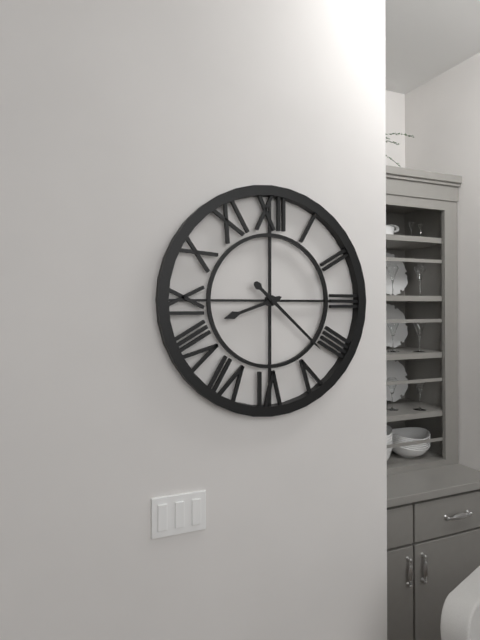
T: 8:22
